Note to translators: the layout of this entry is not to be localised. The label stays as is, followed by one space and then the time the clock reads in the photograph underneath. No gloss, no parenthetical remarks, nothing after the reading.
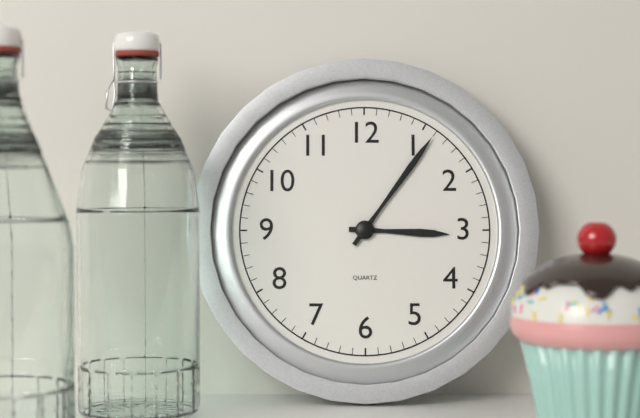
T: 3:06
